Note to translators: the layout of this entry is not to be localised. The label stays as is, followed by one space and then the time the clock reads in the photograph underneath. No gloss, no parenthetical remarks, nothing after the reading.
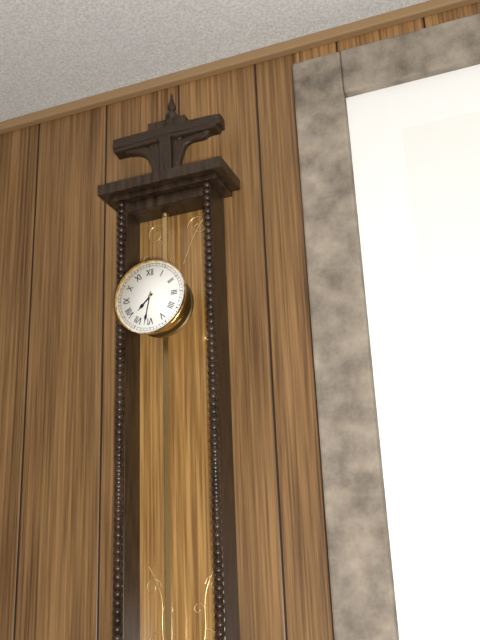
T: 7:32
